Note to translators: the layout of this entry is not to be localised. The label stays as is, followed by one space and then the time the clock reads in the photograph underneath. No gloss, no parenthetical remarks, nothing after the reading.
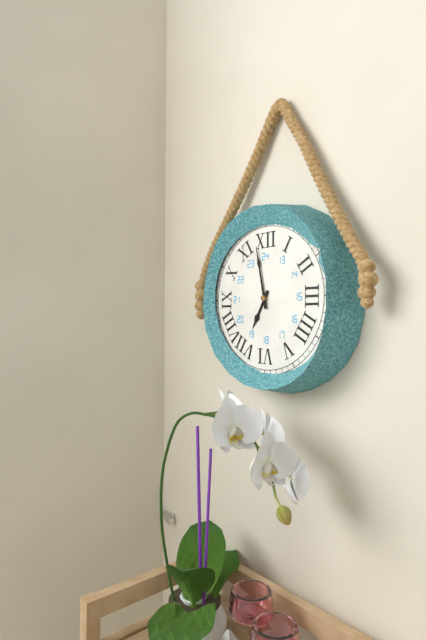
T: 6:58
